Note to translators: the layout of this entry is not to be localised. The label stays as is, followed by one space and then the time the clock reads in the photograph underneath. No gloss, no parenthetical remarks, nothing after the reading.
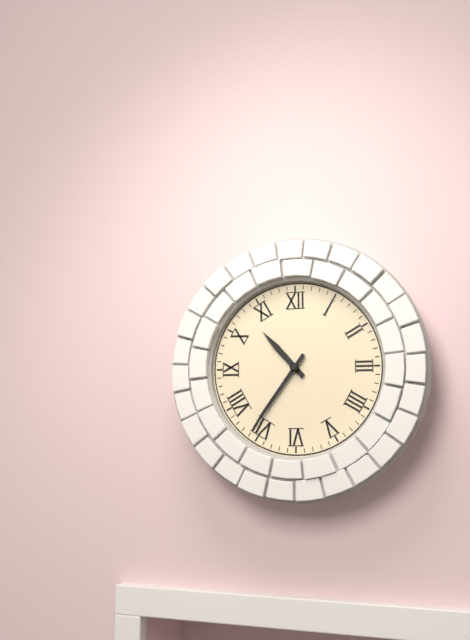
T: 10:36
